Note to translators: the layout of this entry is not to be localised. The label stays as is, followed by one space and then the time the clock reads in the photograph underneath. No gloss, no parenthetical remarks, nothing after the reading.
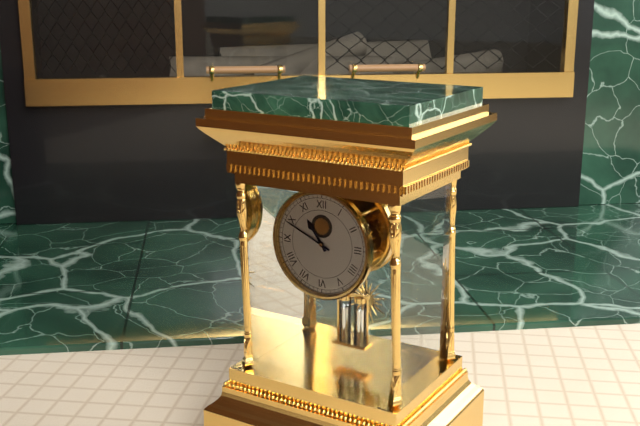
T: 10:49
